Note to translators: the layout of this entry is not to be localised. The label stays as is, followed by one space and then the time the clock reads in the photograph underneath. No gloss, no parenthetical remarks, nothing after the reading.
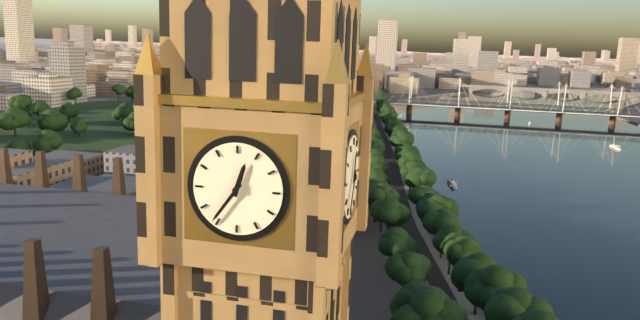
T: 12:36
